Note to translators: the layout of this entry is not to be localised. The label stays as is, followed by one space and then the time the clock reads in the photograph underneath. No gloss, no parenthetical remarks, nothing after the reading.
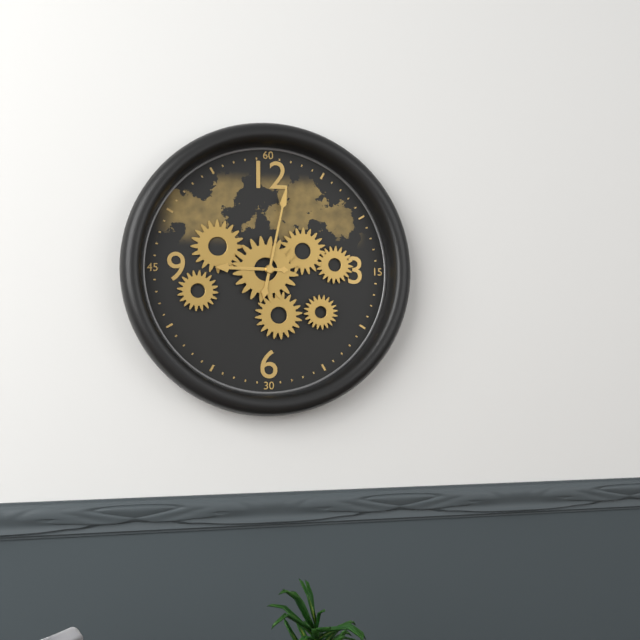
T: 9:02
